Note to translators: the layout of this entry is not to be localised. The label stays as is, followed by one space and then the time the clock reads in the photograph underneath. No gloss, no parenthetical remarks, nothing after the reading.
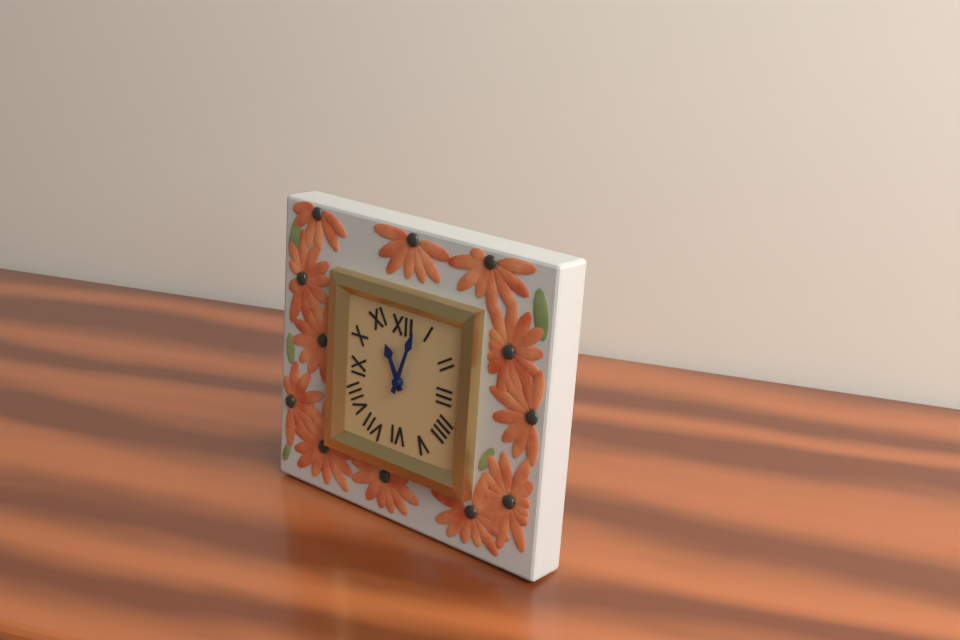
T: 11:03
